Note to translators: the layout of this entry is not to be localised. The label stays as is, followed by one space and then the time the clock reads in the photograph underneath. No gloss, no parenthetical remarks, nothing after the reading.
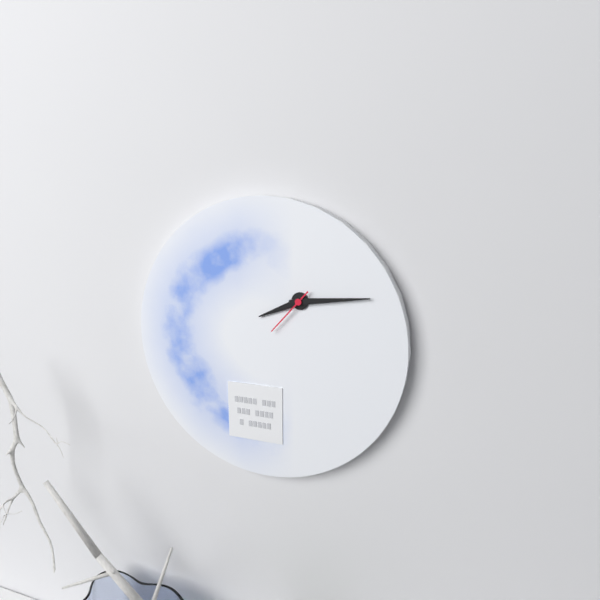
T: 8:14:37
